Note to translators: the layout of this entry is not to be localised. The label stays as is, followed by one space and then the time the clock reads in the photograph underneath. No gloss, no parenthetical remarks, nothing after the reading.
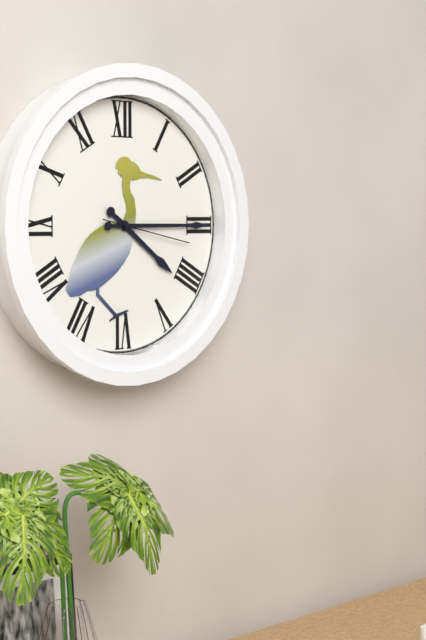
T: 4:15:17
